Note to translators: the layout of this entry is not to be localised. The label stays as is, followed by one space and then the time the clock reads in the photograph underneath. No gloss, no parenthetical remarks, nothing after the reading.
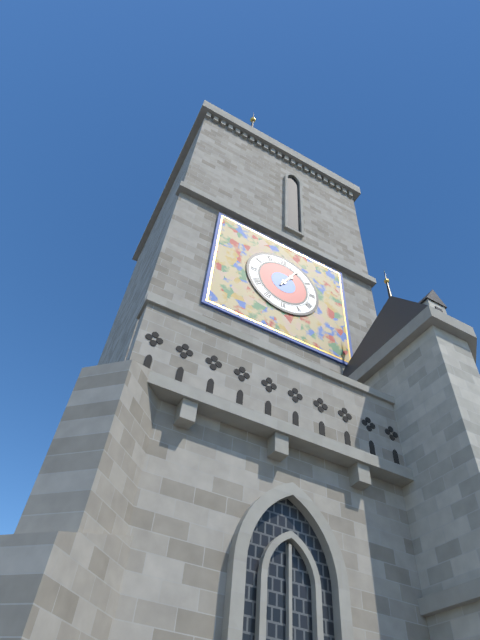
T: 1:05
